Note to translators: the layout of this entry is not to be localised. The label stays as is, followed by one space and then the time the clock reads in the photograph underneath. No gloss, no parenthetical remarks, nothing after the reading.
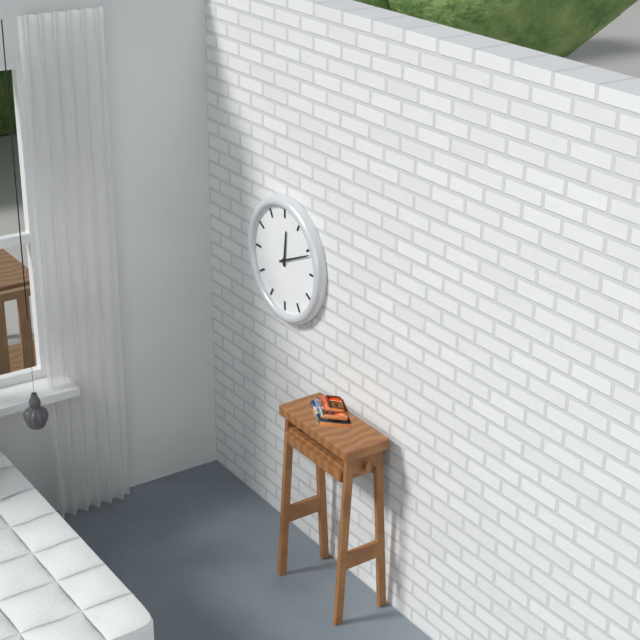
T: 12:11
